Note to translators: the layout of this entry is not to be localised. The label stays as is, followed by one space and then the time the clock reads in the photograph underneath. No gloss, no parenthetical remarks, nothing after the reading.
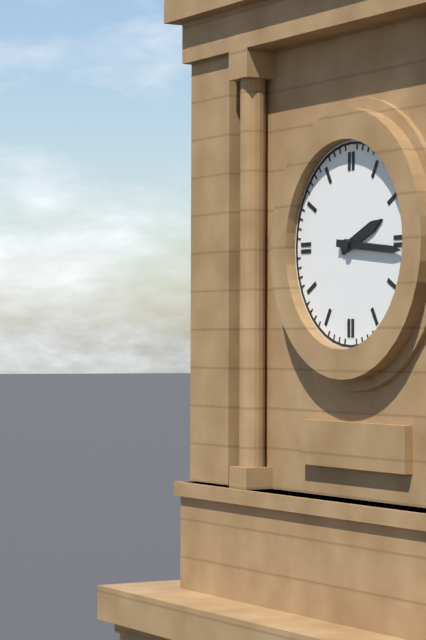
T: 2:16
